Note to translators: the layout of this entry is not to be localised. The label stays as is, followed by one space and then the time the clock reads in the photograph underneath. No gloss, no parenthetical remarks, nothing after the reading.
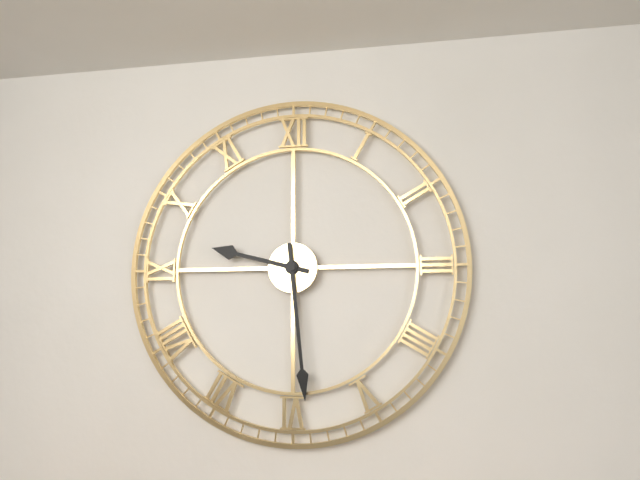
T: 9:29
